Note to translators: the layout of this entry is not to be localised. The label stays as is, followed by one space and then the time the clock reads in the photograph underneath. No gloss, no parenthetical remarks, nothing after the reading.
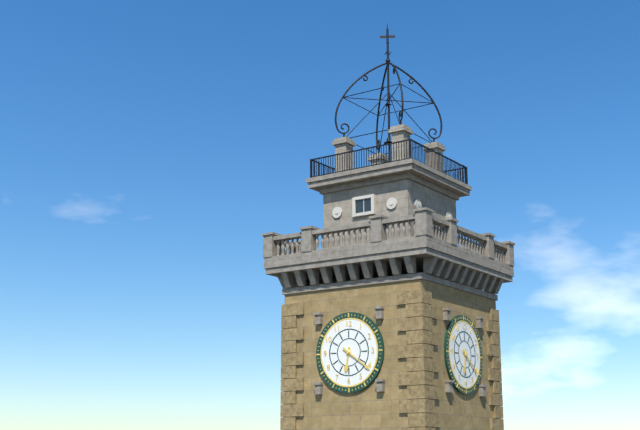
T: 6:21
